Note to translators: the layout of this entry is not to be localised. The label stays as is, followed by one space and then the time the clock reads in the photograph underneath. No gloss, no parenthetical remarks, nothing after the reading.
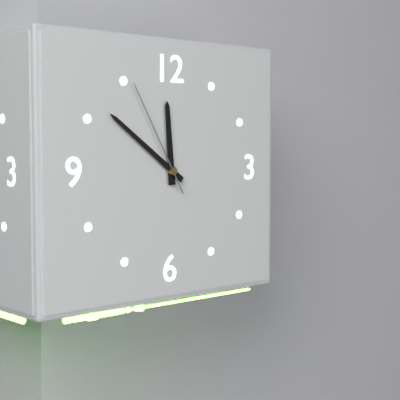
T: 11:51:55
